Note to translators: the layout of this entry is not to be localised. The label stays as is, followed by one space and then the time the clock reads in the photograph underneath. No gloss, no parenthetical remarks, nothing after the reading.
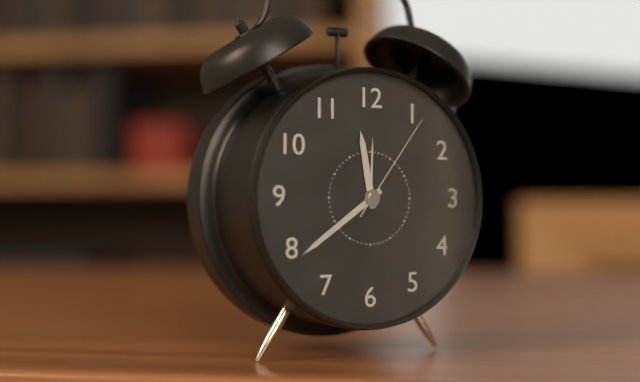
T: 11:39:06
